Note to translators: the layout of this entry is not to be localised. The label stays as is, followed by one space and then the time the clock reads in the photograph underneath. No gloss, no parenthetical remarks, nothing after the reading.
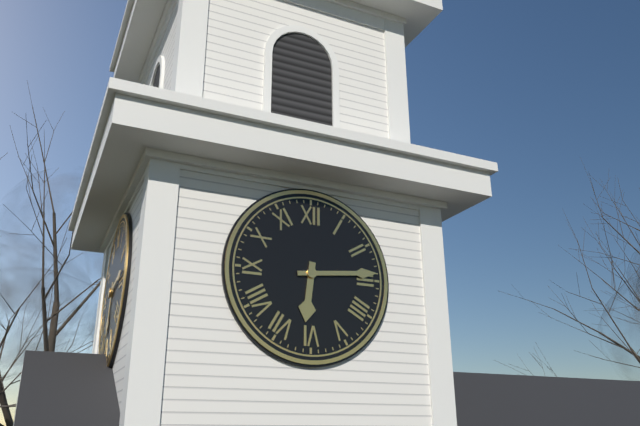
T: 6:14
